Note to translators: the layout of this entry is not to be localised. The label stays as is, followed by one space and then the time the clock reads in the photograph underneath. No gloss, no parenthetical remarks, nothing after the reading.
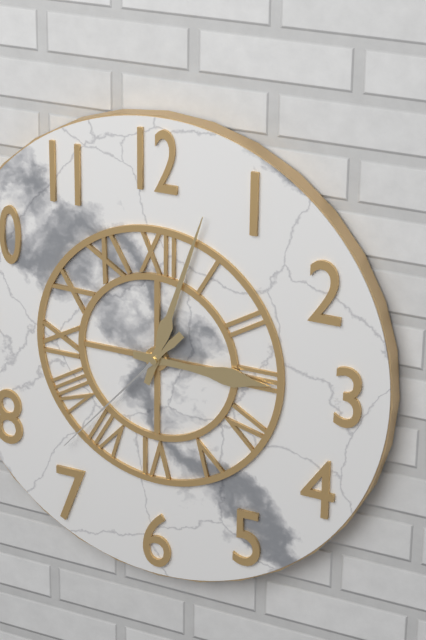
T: 3:03:37
